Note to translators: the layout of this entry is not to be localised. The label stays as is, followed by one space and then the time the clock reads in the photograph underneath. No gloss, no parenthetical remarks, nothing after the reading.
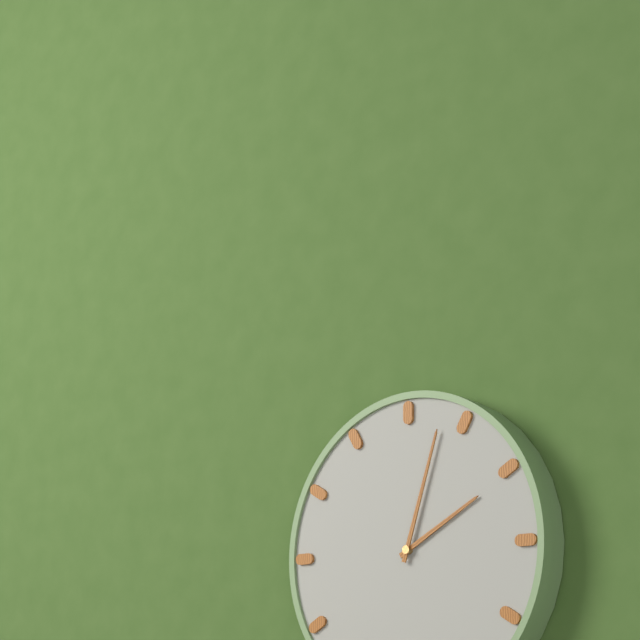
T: 2:03
